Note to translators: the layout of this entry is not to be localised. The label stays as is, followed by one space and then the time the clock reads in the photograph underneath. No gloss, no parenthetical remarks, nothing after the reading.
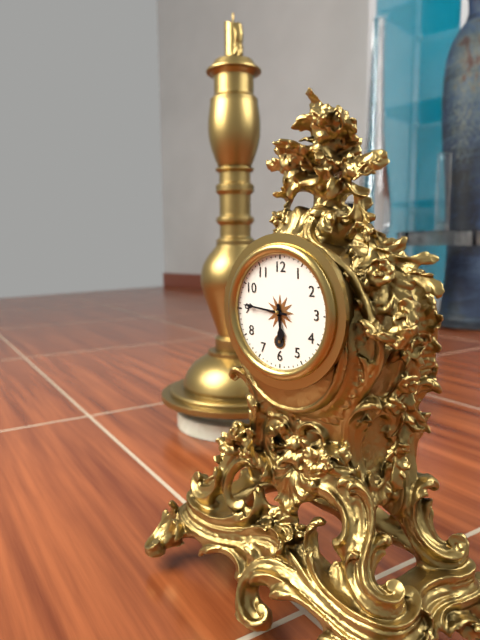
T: 5:46
